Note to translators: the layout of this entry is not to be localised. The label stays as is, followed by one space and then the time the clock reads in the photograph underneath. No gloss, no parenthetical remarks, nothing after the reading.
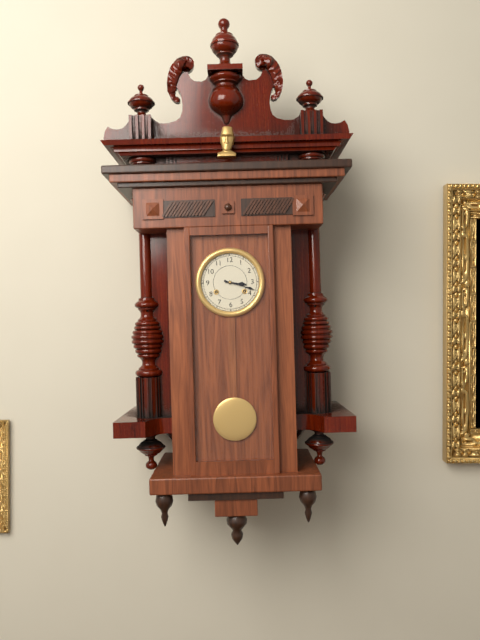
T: 3:18
